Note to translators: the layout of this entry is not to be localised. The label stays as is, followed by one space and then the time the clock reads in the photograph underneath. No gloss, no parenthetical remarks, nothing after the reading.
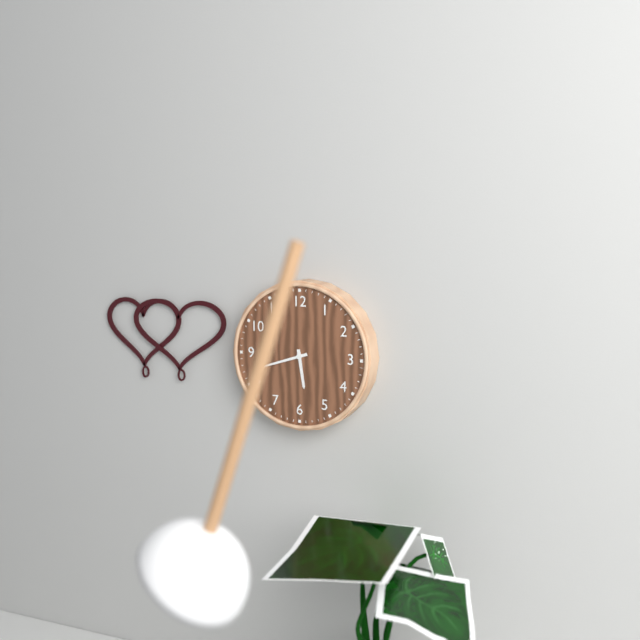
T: 5:42
